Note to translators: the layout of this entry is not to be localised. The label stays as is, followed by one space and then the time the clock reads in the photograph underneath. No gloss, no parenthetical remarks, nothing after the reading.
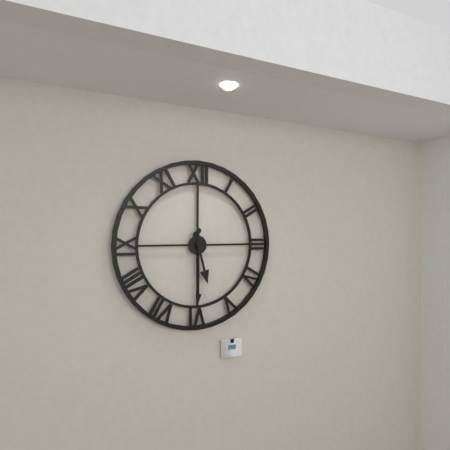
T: 5:30
